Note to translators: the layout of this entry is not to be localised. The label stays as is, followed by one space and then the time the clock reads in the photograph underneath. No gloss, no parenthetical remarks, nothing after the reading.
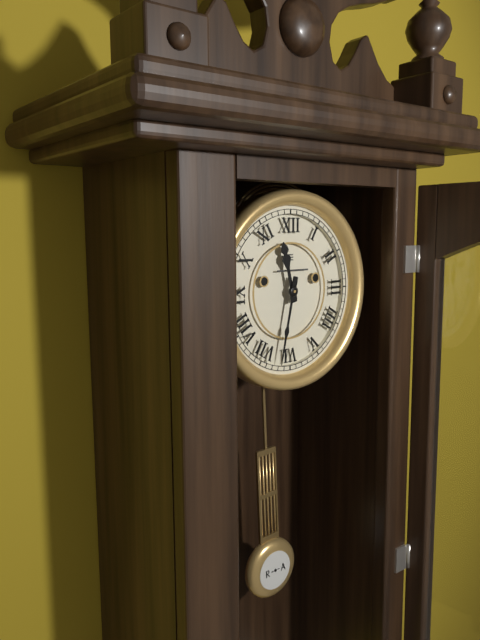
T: 11:32
